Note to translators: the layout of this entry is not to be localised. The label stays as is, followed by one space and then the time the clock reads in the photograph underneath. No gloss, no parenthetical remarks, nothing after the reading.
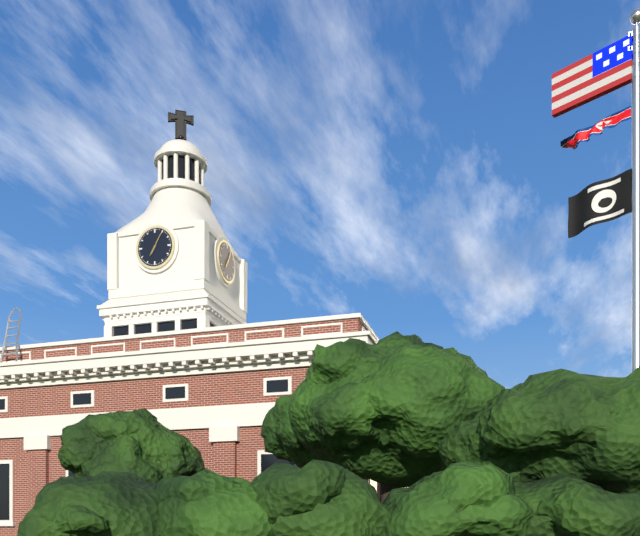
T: 7:05
